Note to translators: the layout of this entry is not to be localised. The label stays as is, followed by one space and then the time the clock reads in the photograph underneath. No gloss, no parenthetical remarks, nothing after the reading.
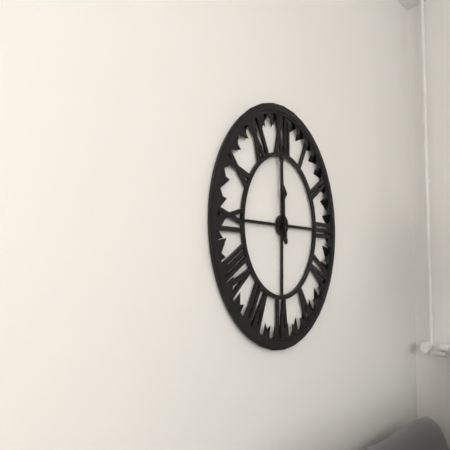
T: 11:59
